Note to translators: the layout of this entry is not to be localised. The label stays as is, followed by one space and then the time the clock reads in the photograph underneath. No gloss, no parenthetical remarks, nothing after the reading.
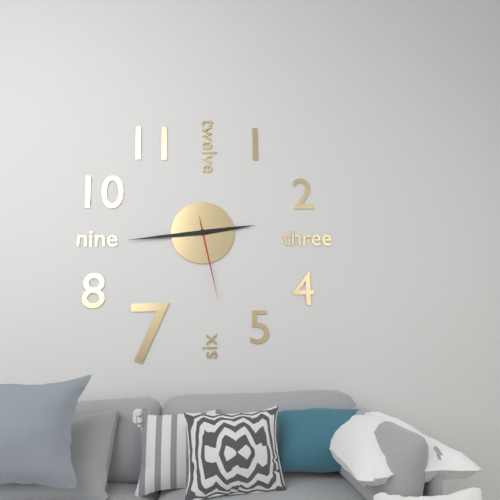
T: 2:44:28
